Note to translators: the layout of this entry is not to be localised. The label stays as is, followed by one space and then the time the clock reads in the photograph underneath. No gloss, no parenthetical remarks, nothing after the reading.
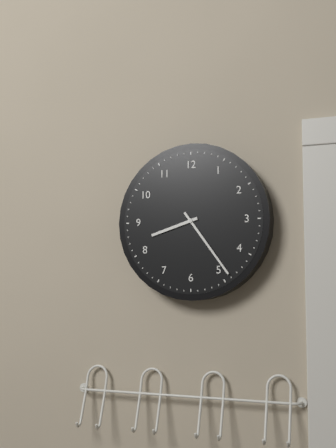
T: 8:24
